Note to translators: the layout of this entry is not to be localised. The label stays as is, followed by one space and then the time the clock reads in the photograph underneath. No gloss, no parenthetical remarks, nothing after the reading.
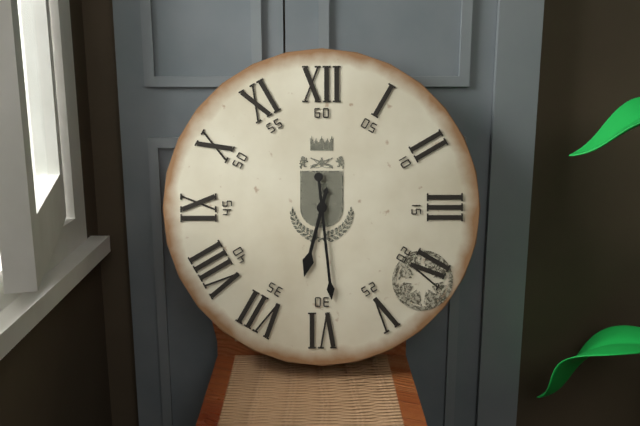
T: 6:29
